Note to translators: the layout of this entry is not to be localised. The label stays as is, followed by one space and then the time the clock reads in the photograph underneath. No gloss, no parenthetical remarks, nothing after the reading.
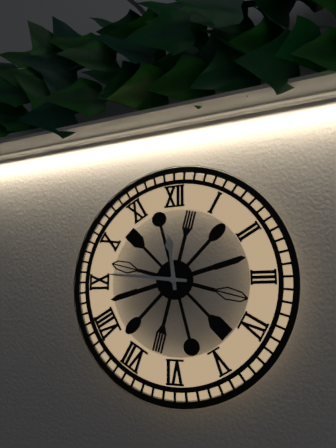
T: 11:46
